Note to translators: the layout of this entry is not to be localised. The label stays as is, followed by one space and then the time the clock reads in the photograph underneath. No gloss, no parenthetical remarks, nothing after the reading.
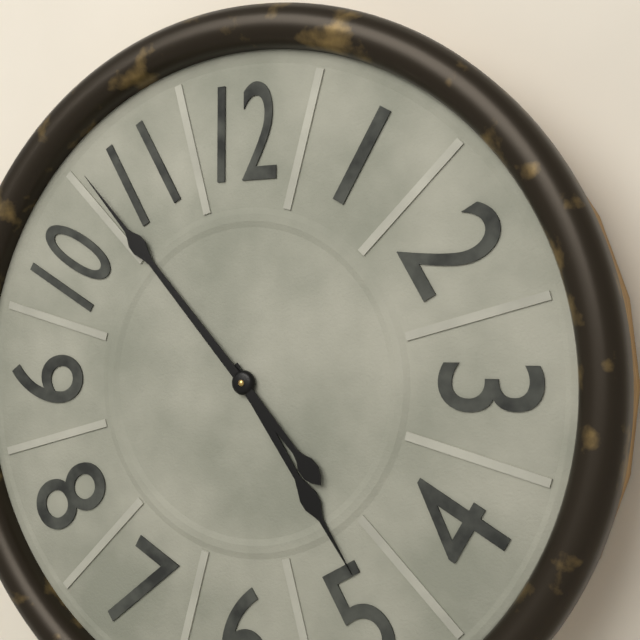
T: 4:53
